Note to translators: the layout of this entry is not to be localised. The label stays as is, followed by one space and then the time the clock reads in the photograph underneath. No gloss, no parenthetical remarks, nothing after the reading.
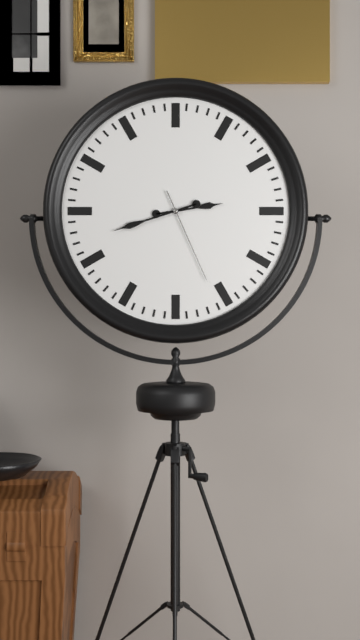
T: 2:42:26
